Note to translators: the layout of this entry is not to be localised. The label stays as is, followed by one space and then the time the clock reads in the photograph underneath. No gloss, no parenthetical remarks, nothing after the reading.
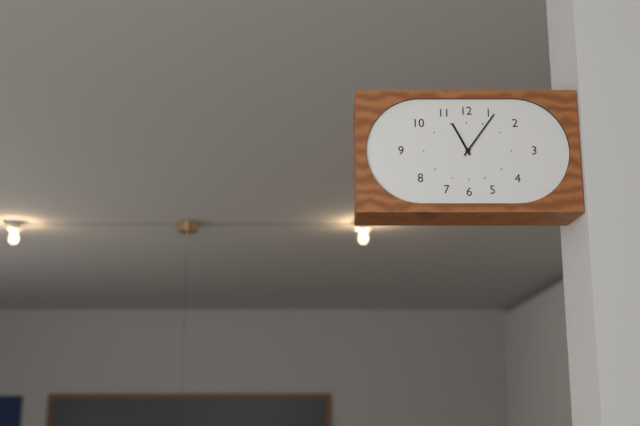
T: 11:06
